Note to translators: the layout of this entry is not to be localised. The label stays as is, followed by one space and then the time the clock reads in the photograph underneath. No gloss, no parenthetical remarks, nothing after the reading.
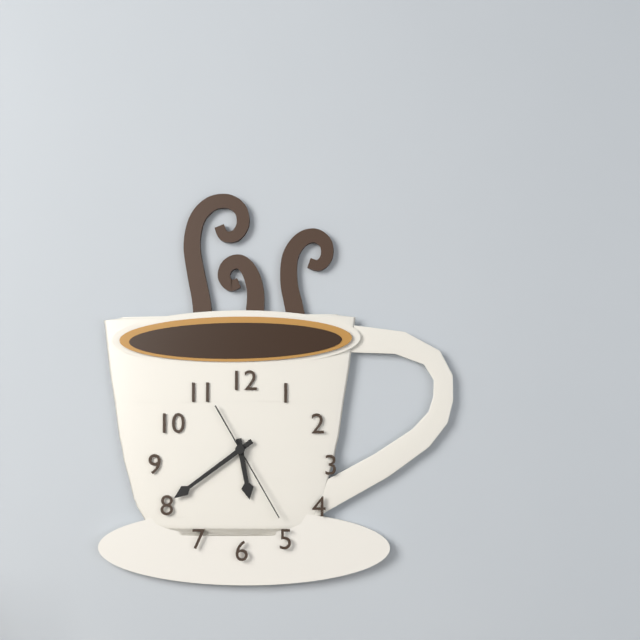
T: 5:39:25
